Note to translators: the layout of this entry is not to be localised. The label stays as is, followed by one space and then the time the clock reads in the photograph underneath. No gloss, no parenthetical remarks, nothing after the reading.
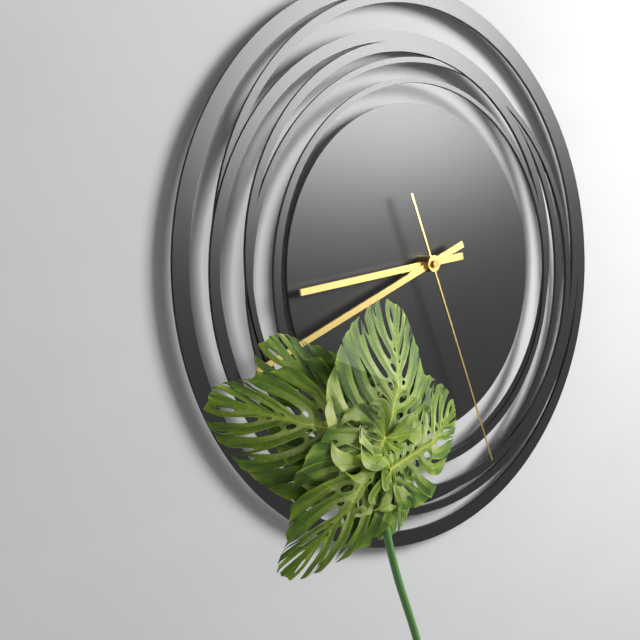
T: 8:41:26
